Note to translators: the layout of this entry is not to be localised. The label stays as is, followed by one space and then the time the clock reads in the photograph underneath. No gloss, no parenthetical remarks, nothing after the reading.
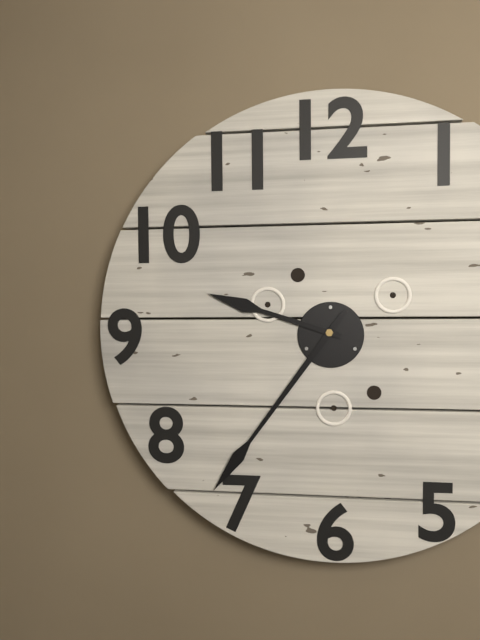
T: 9:36
